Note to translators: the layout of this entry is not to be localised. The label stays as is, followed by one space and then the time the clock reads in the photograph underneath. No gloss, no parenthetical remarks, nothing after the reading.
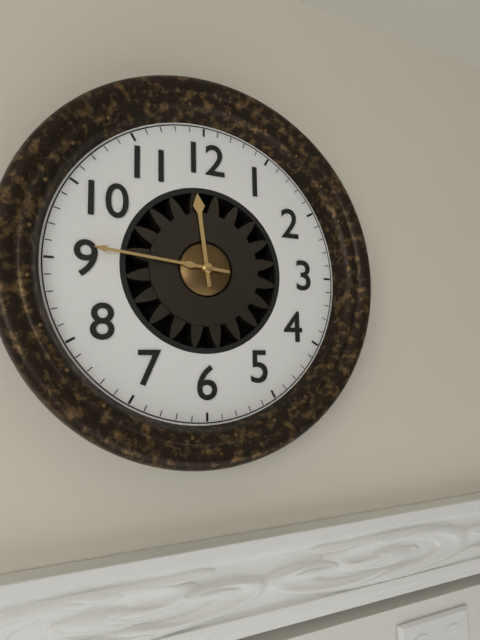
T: 11:46
